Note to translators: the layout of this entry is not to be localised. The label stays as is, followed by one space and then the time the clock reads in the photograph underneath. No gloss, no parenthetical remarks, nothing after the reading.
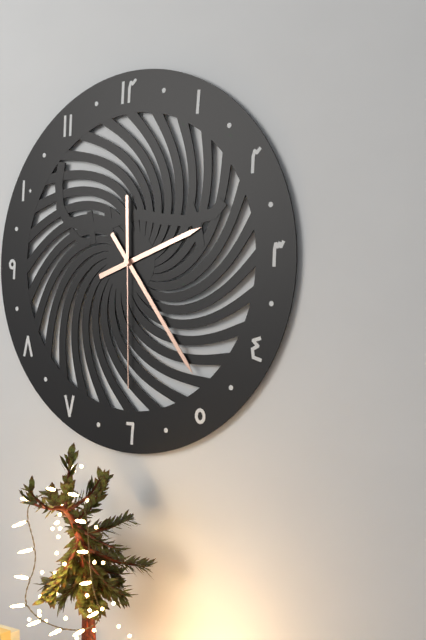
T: 2:24:30
